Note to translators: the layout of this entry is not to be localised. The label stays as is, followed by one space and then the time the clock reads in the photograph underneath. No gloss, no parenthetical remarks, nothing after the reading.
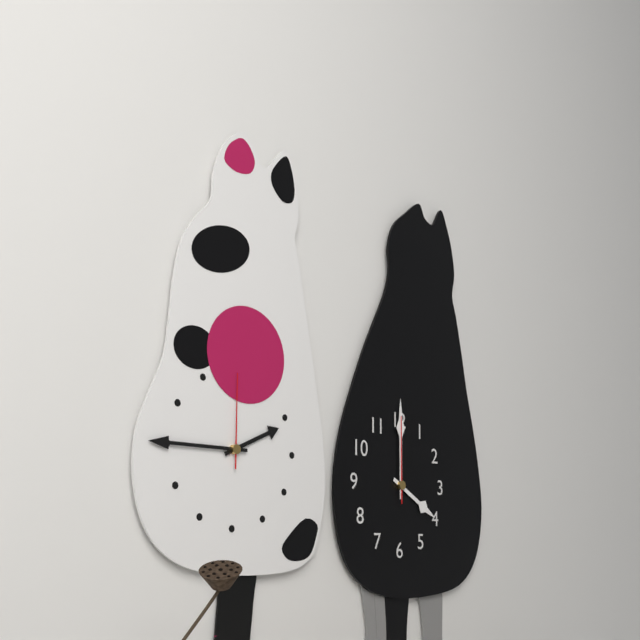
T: 4:00:00
